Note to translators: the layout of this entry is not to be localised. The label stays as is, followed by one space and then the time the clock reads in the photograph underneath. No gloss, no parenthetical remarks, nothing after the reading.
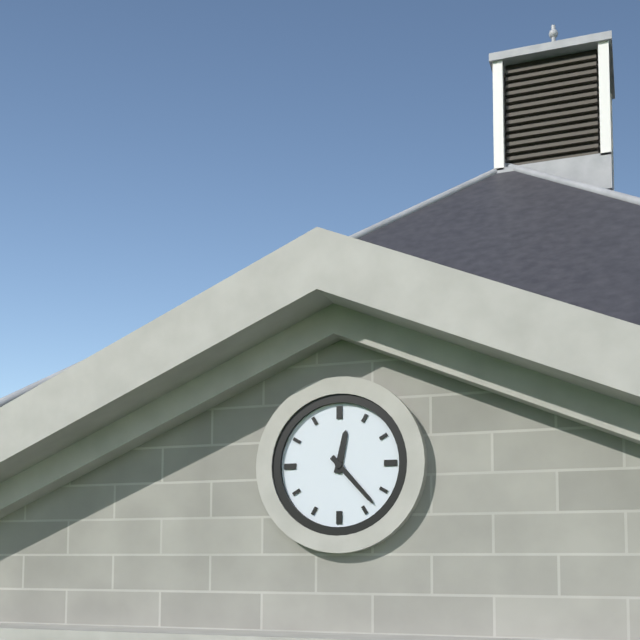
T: 12:23
